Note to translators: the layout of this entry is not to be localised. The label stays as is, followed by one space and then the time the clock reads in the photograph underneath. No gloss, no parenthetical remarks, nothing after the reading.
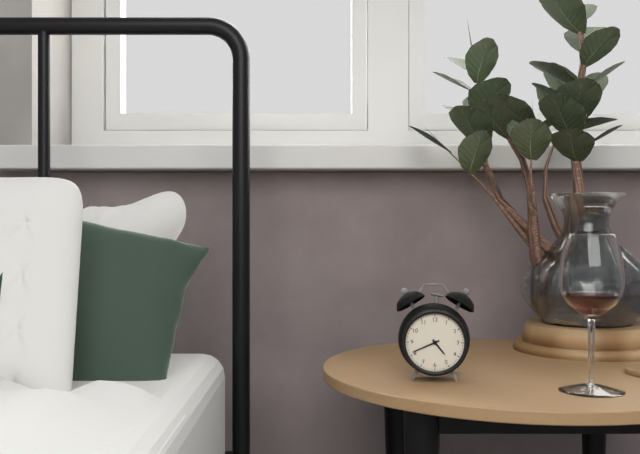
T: 4:41
